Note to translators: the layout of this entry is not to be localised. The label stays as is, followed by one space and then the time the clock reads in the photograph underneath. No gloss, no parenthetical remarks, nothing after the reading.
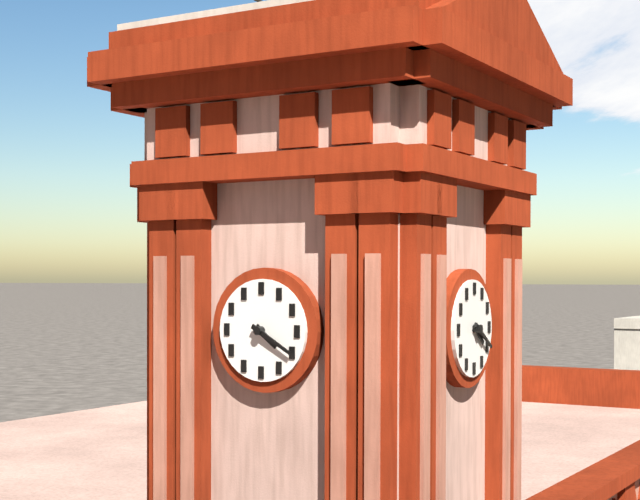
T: 4:20
